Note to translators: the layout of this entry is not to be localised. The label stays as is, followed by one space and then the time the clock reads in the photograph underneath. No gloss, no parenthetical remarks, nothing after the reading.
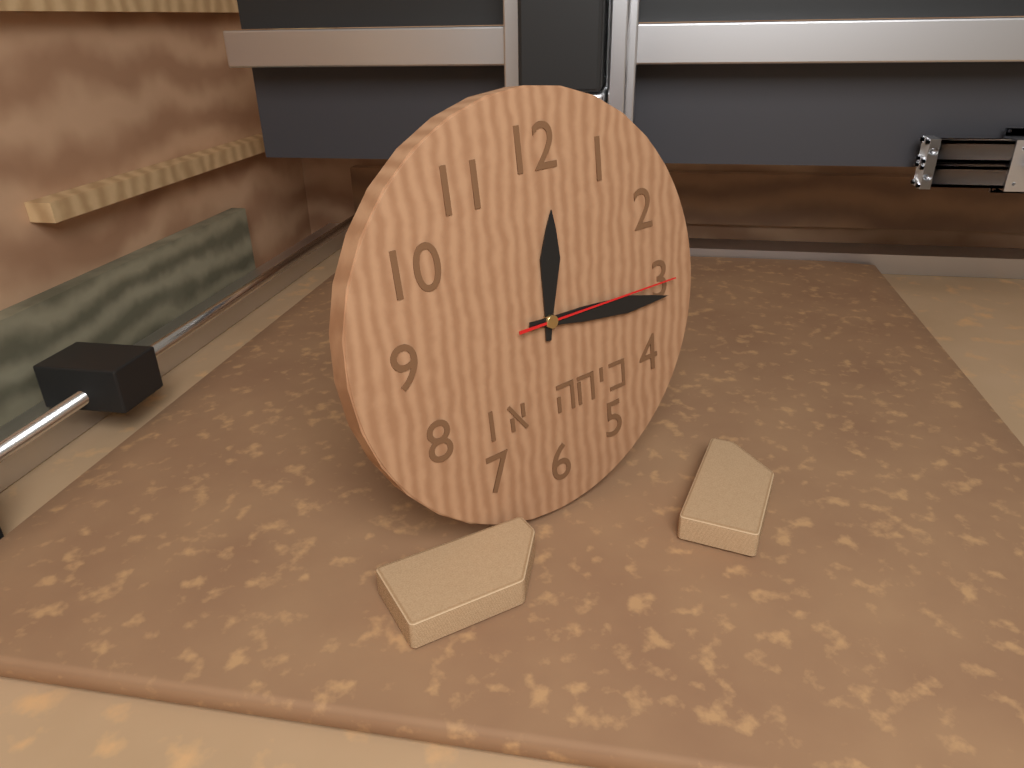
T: 12:16:15
